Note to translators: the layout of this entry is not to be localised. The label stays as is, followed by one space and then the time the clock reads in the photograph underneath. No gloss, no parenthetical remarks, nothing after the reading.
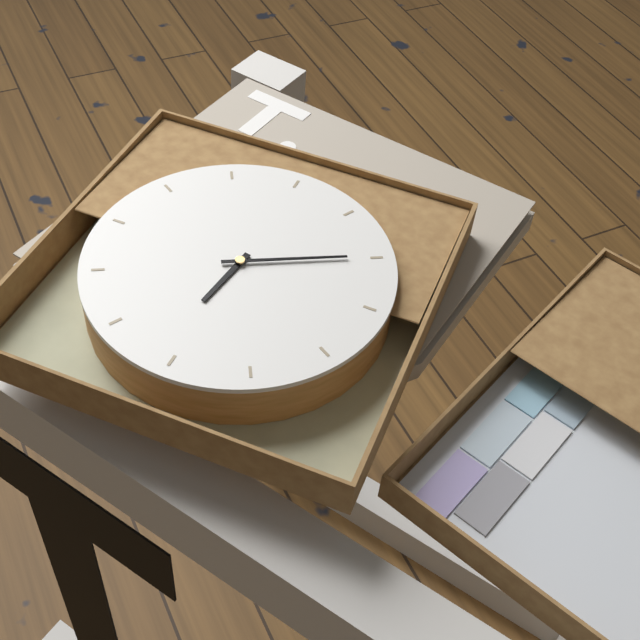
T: 7:15
